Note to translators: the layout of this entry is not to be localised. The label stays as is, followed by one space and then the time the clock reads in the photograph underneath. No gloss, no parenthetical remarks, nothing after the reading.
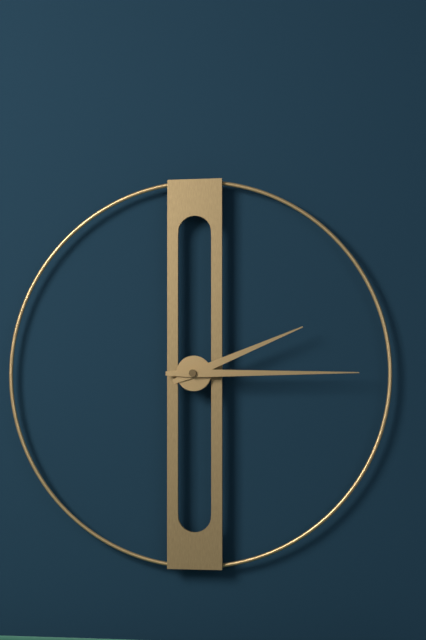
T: 2:15
